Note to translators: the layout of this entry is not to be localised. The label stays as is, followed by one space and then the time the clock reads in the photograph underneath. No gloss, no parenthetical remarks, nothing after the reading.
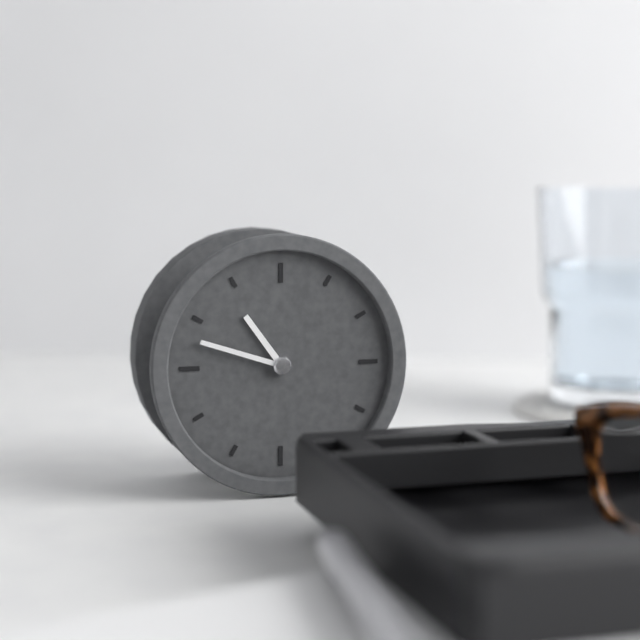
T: 10:48
